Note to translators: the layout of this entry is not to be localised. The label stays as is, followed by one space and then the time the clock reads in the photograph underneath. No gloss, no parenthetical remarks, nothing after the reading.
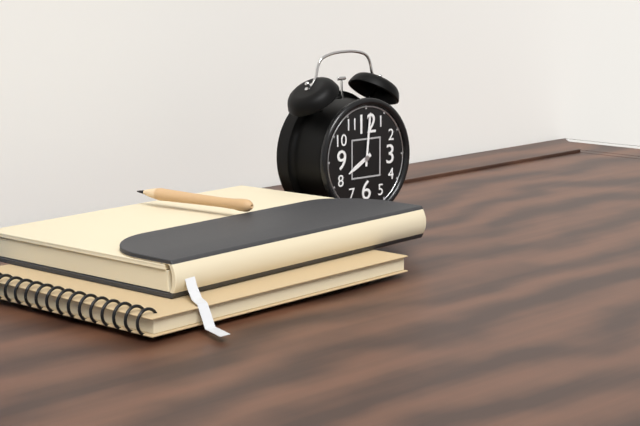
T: 8:01
